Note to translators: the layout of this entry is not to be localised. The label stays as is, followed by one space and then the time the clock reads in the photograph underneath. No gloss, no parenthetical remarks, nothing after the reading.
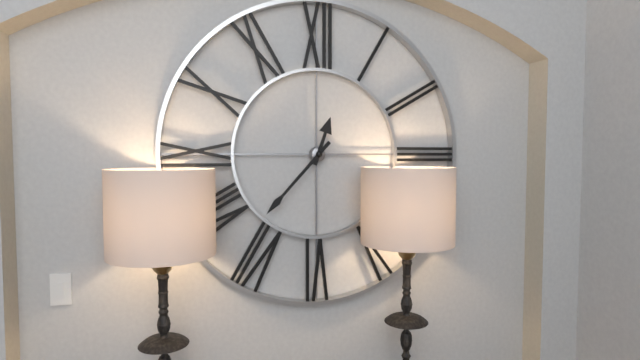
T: 12:37
